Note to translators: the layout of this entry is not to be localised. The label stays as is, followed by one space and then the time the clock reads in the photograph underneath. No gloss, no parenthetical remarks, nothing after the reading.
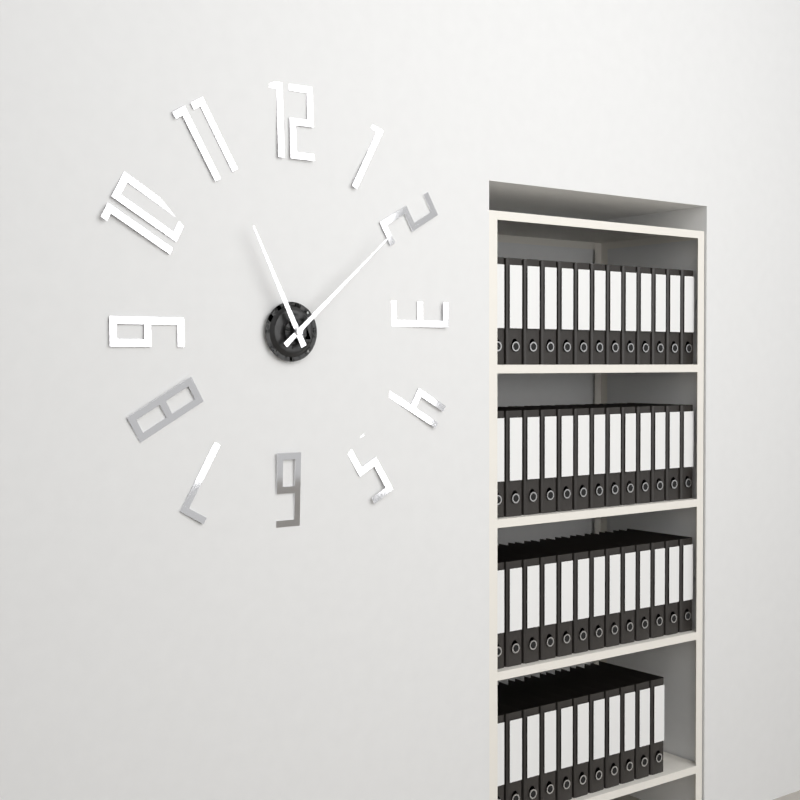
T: 11:08
